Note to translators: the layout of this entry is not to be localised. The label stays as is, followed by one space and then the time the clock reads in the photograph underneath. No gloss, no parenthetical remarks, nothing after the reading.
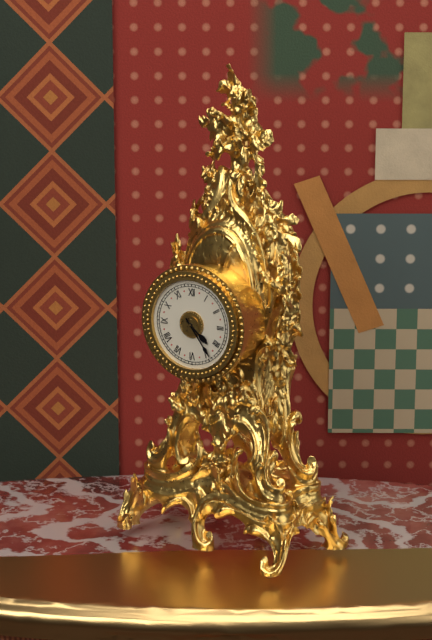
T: 4:24
